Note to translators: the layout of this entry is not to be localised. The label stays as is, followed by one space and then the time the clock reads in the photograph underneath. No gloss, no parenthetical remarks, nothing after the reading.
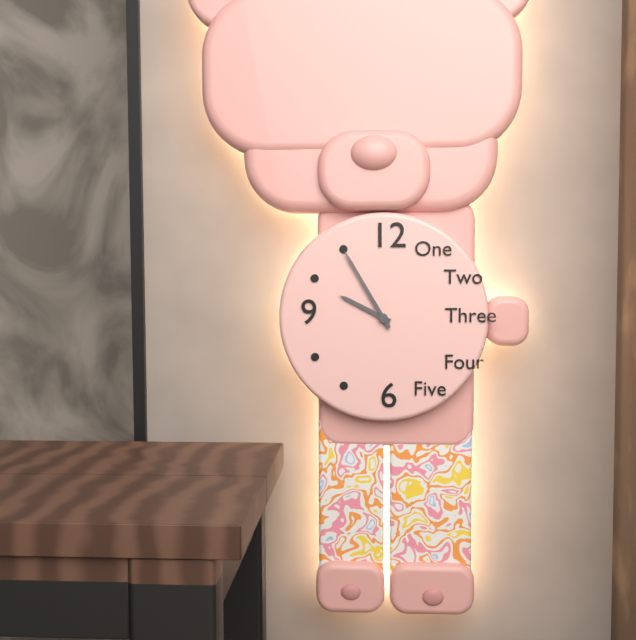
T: 9:55
